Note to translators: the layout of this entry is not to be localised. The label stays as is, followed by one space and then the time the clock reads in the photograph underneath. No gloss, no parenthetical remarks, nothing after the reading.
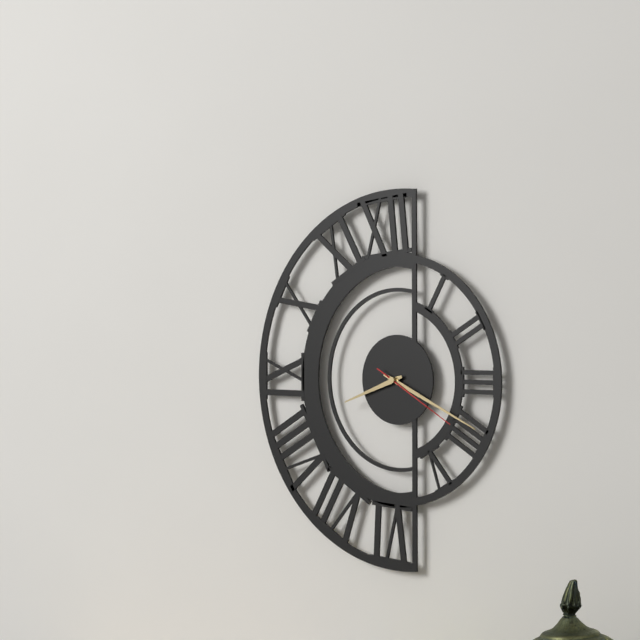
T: 8:19:20
